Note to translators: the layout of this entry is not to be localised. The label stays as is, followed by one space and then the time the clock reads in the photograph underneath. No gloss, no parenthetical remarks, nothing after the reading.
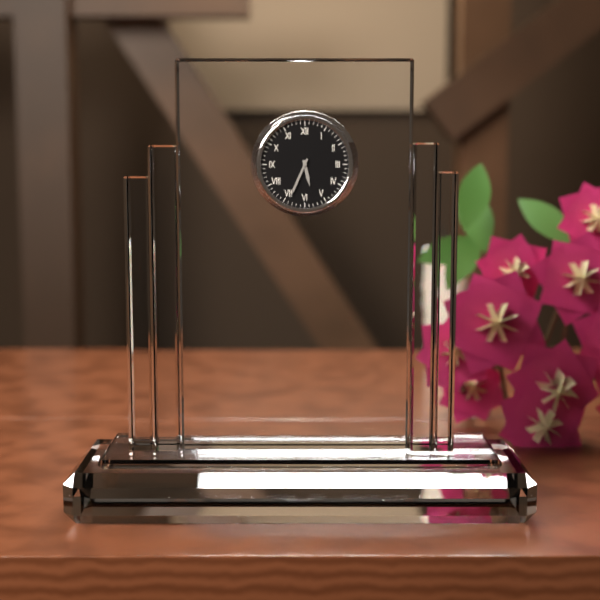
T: 5:34
